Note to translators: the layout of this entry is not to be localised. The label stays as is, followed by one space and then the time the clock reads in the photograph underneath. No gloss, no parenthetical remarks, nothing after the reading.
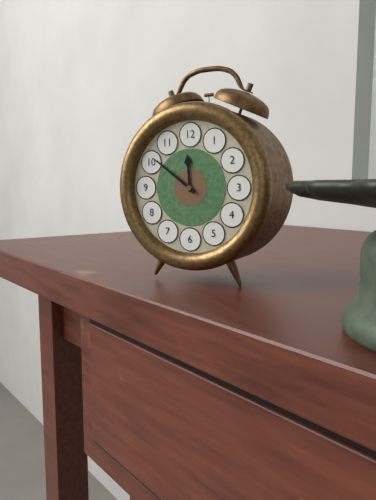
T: 11:51
